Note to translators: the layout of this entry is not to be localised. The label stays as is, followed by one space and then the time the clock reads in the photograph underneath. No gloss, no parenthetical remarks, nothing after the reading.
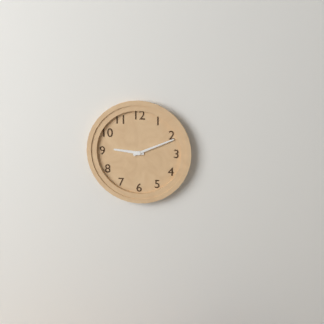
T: 9:11
